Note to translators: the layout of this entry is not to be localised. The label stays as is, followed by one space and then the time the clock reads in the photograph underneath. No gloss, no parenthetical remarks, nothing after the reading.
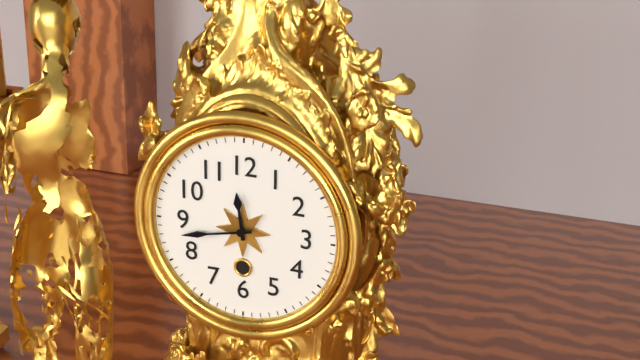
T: 11:43
